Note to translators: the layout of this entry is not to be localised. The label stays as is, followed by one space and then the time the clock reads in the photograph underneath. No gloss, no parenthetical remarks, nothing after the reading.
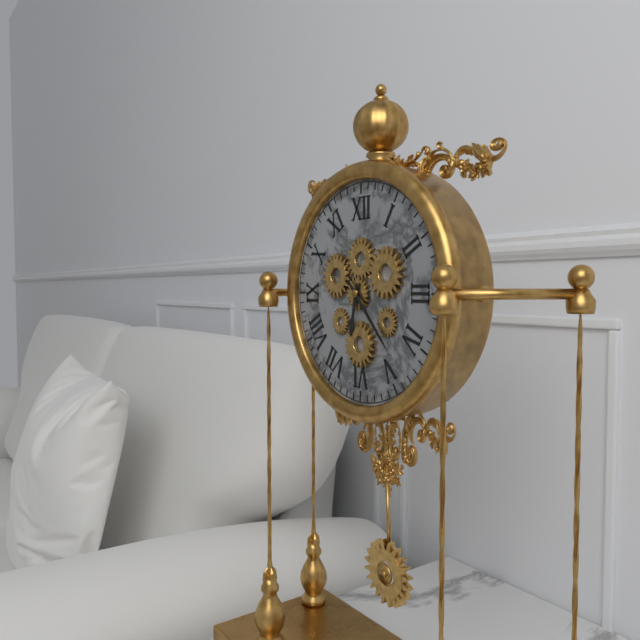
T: 6:23
